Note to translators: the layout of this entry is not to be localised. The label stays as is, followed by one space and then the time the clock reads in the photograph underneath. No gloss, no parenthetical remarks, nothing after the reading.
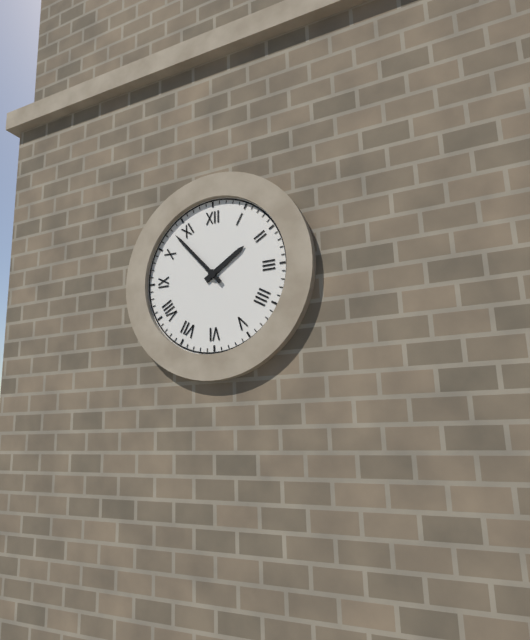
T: 1:53
